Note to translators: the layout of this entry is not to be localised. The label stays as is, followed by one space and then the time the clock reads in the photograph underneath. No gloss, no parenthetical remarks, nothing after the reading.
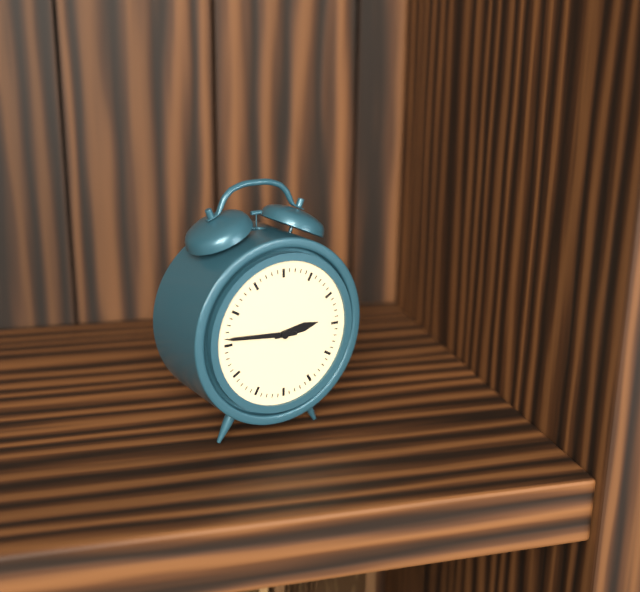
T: 2:46
